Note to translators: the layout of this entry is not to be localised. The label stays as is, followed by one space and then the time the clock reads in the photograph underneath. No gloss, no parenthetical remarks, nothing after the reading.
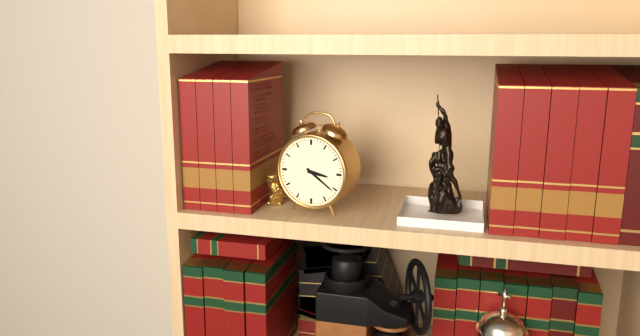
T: 3:21
